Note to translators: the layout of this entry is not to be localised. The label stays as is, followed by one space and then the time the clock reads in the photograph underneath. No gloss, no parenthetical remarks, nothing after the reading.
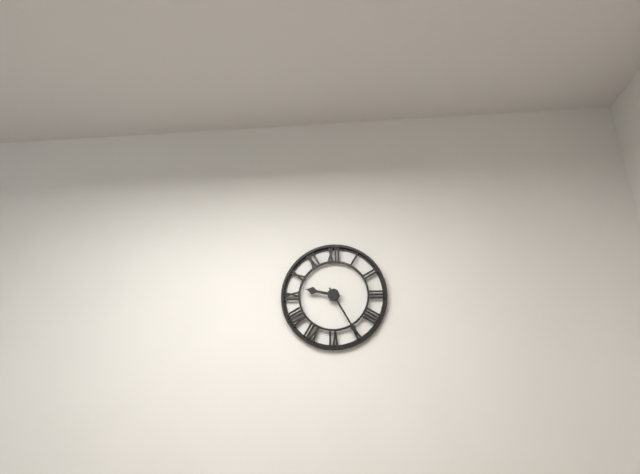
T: 9:25
